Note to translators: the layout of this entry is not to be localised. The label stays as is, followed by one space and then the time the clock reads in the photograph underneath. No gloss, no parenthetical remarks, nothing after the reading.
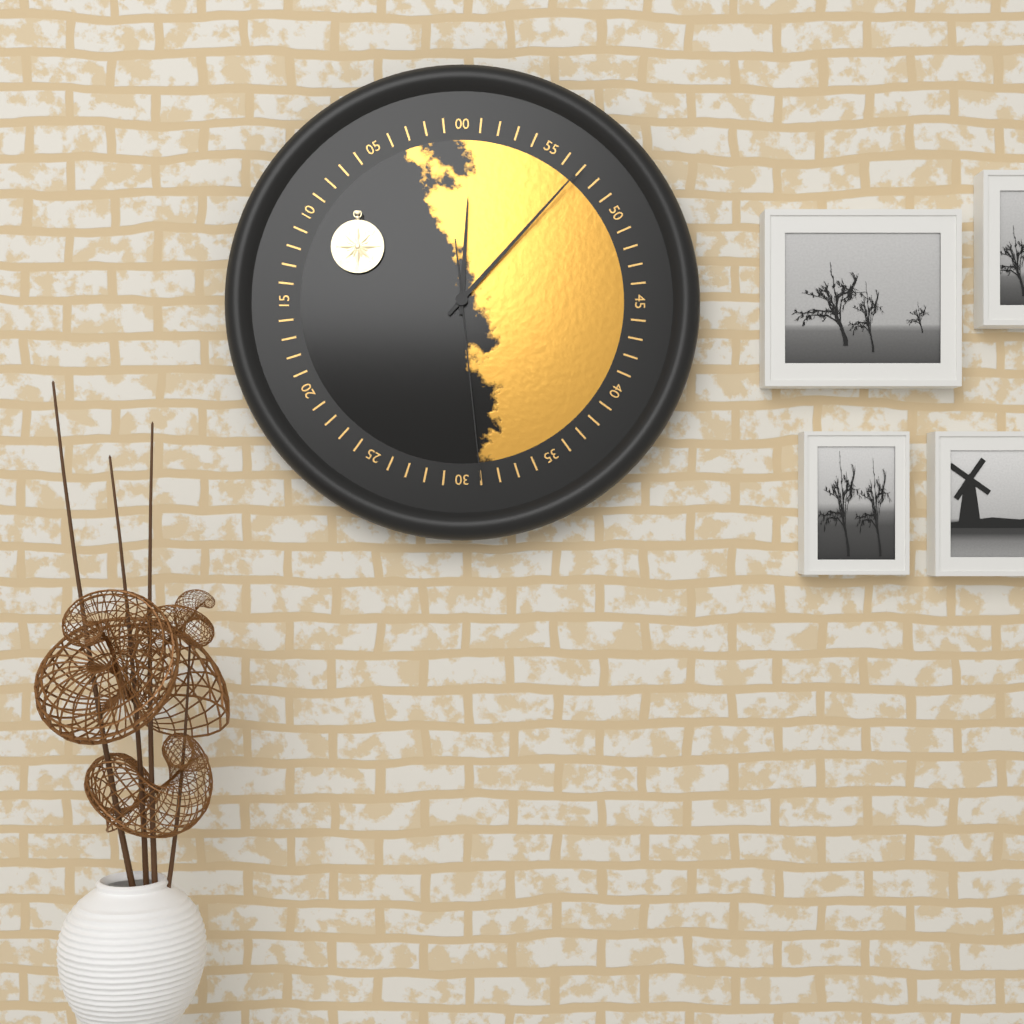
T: 12:07:29
